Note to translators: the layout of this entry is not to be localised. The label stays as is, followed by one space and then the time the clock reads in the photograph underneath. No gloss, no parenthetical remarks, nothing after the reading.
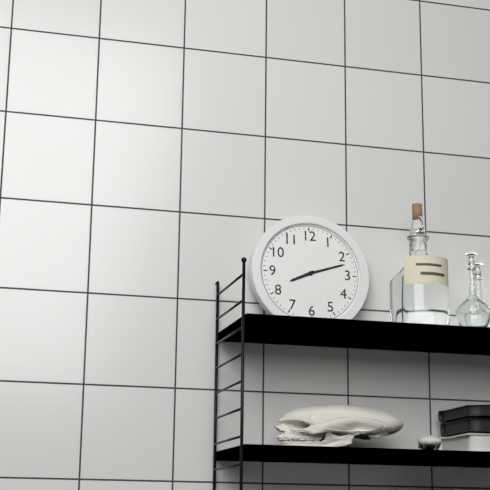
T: 8:12
